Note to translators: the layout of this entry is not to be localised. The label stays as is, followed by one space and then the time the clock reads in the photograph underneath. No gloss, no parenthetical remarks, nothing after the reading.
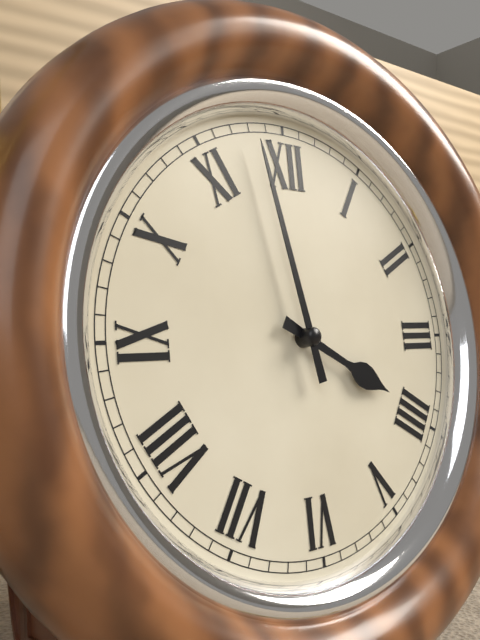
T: 3:58
